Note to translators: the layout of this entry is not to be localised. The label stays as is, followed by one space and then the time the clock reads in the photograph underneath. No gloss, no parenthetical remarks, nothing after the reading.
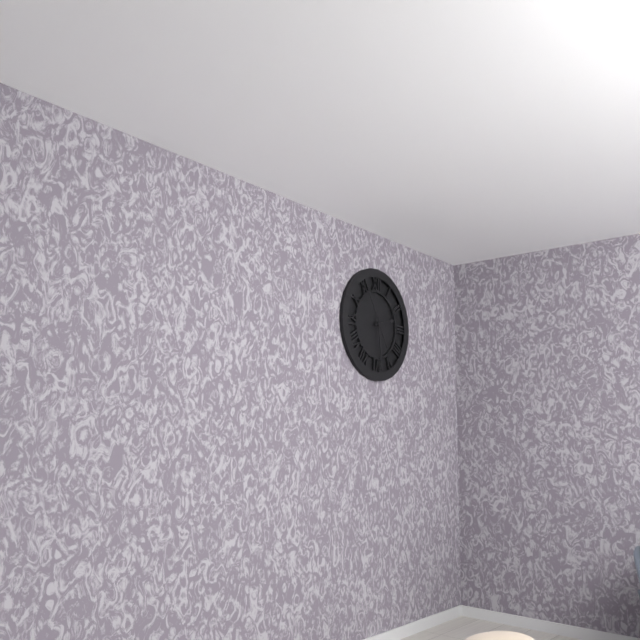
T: 2:29:55
